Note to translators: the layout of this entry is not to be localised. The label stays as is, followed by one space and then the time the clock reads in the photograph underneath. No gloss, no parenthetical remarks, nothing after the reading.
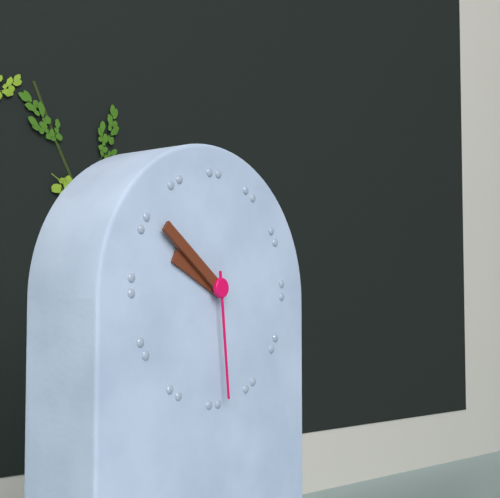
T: 9:51:29
